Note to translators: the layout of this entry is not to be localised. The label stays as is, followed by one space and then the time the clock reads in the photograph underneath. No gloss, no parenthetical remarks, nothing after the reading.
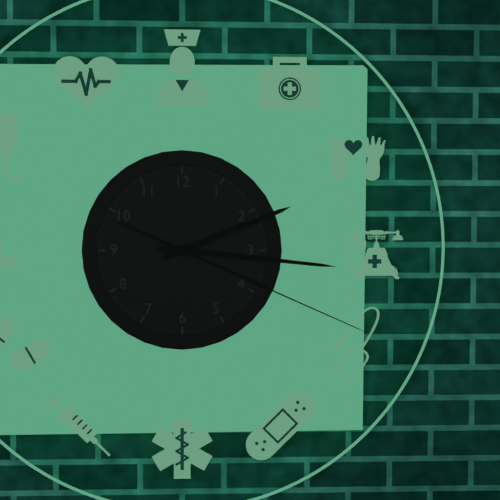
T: 2:16:19
